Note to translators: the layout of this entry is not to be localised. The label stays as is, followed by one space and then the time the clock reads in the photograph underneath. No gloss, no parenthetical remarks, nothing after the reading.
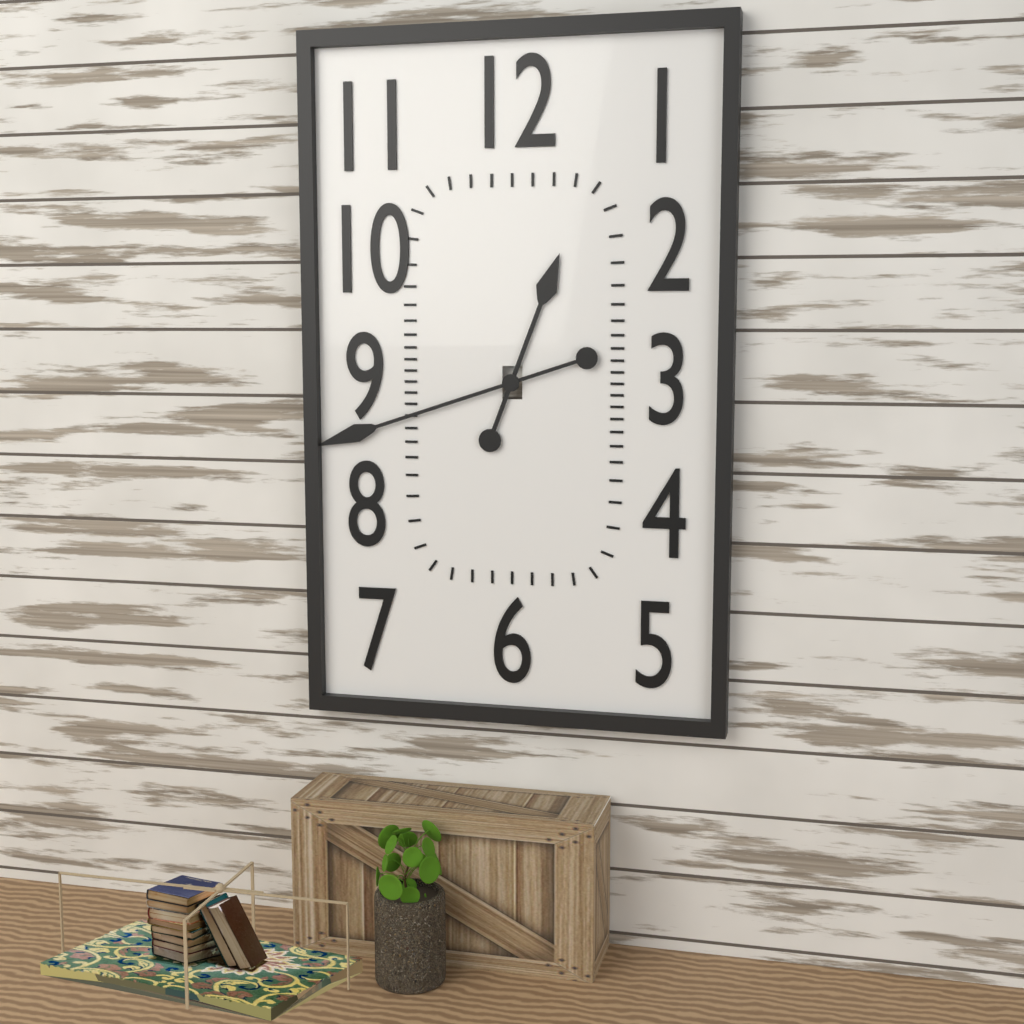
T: 12:42
